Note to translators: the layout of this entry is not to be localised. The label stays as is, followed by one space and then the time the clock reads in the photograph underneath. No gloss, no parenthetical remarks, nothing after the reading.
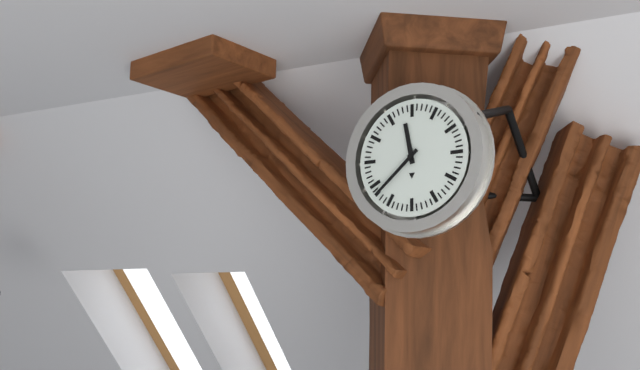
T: 11:38
